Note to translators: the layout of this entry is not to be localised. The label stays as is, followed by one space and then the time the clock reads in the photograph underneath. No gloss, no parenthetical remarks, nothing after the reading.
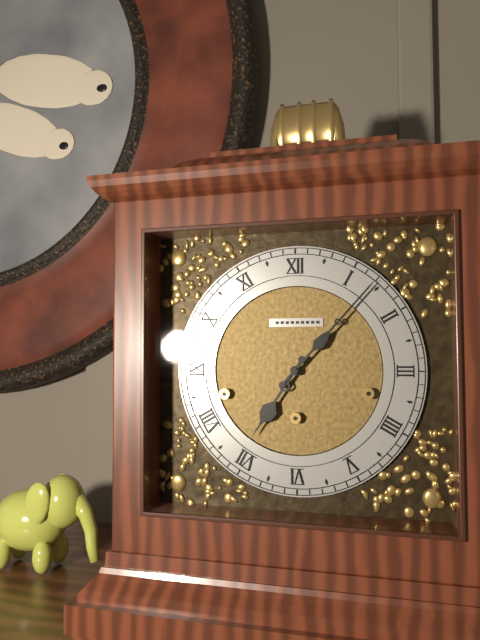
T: 7:07
